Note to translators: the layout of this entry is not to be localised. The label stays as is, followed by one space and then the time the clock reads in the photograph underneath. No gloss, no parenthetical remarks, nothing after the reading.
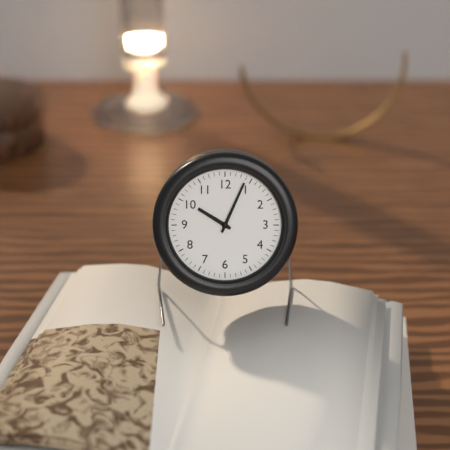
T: 10:04
